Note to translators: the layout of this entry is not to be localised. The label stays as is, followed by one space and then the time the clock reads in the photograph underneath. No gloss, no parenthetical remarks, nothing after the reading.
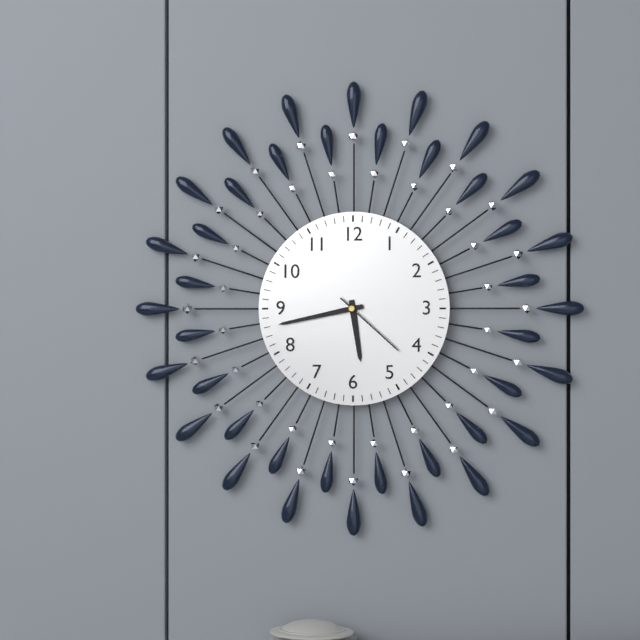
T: 5:43:22
